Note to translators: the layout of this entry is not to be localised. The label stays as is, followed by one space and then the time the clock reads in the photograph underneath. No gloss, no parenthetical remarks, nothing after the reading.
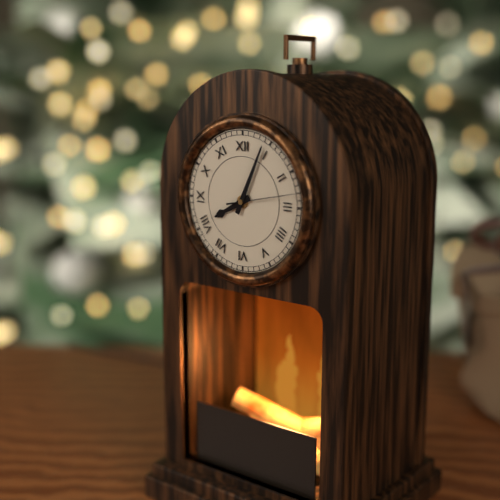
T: 8:04:13
